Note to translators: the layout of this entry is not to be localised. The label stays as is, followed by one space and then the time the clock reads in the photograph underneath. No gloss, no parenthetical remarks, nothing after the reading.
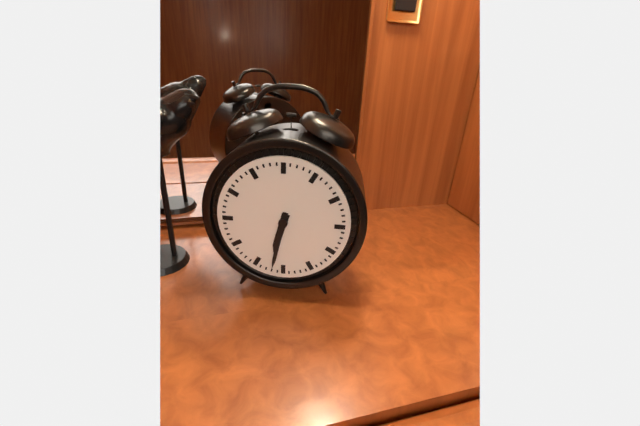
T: 6:32
